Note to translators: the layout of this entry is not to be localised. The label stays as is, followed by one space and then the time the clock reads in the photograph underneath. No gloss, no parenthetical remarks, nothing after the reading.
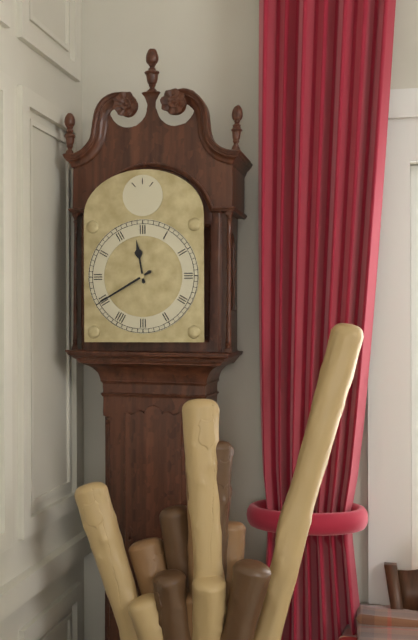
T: 11:40
